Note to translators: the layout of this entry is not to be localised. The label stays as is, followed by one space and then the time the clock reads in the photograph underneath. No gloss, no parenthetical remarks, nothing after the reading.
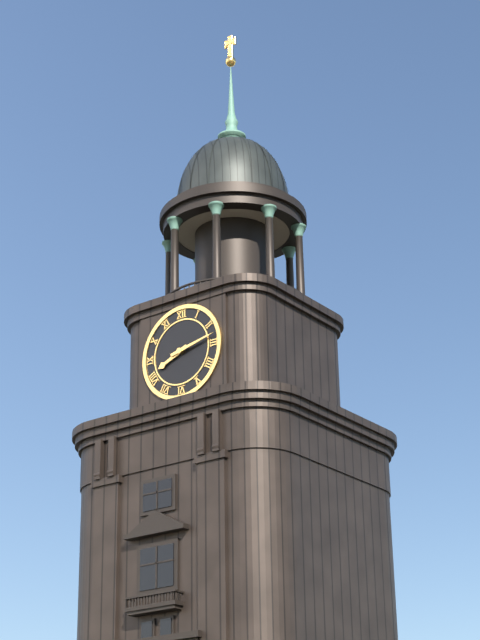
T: 8:13
